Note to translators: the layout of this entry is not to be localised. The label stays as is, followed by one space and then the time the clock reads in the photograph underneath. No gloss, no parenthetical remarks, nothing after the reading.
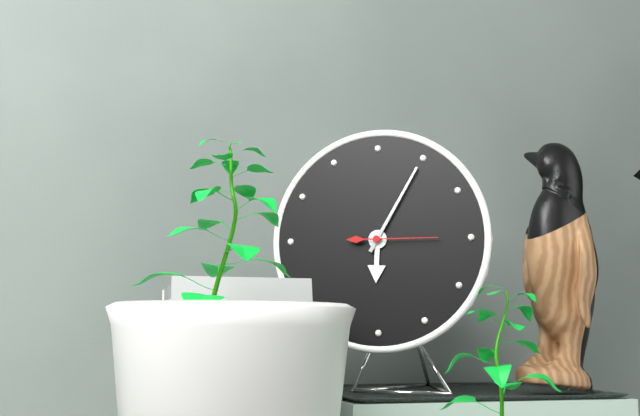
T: 6:05:15
